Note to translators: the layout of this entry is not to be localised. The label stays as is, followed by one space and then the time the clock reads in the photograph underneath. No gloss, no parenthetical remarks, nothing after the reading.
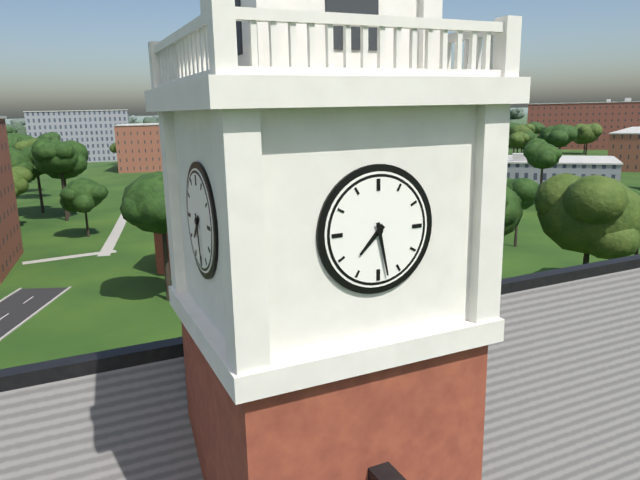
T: 7:28
